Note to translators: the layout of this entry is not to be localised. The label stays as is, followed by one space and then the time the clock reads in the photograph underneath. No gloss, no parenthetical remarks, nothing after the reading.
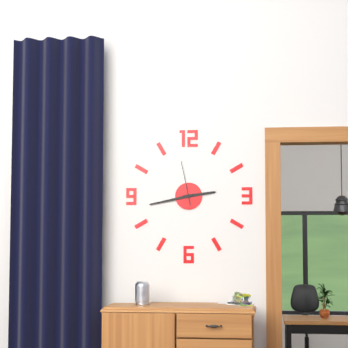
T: 2:43
